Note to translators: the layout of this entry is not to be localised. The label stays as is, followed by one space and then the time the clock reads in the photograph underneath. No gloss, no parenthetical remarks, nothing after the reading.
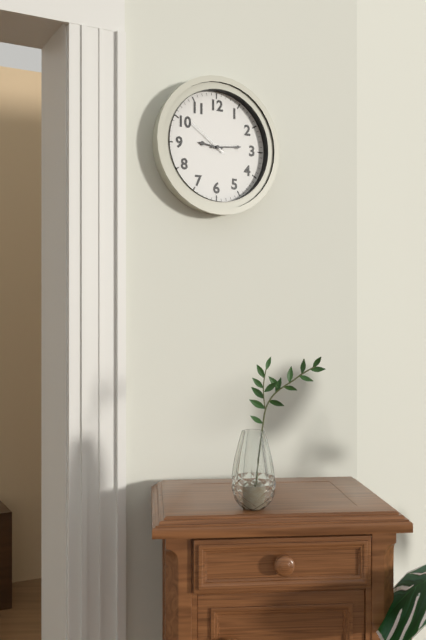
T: 9:14
